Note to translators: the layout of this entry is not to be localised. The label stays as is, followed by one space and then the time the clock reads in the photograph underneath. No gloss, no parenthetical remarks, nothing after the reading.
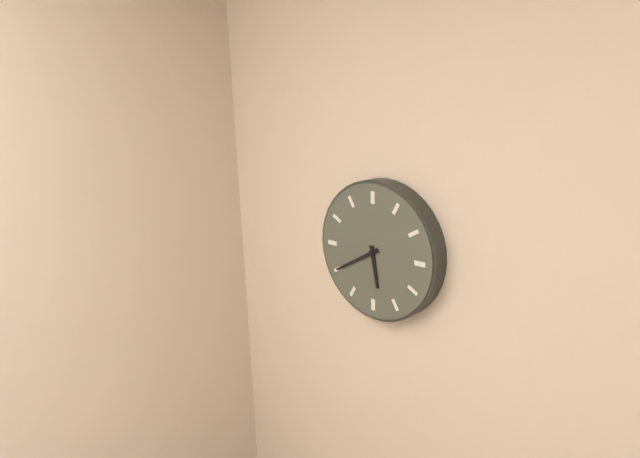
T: 5:40
